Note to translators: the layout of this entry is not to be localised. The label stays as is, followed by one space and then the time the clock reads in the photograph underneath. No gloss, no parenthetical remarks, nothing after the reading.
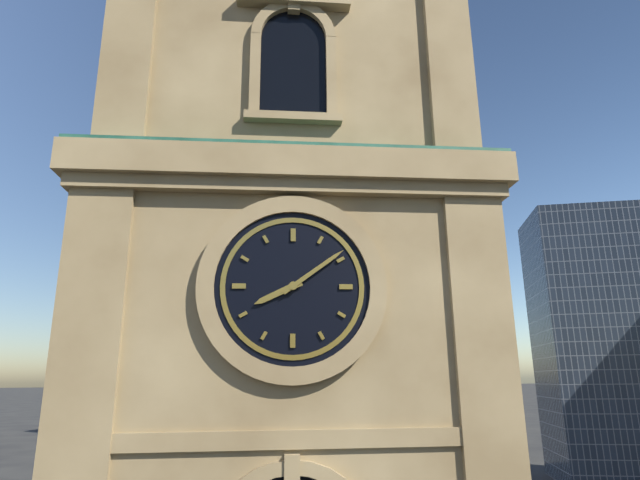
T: 8:09
